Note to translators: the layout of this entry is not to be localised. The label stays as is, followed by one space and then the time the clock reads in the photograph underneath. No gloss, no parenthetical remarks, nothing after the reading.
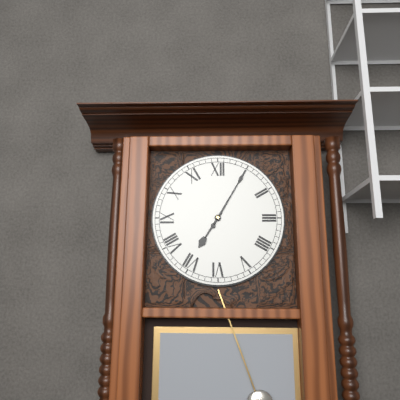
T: 7:05
